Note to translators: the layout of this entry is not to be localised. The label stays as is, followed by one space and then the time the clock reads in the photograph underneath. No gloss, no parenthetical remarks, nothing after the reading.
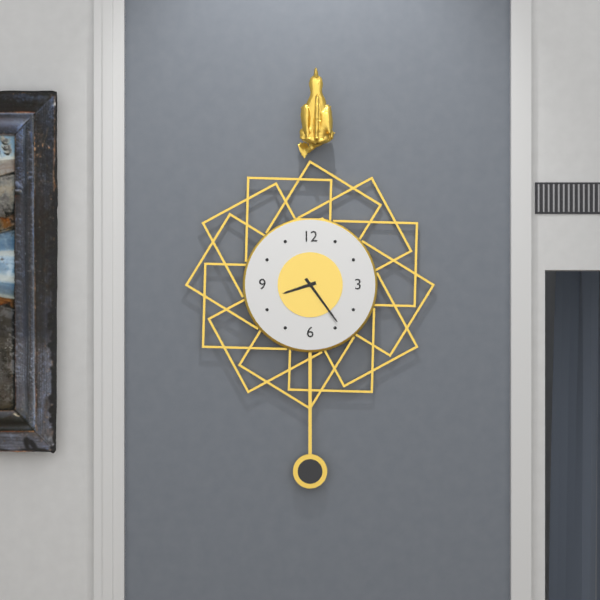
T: 8:24
